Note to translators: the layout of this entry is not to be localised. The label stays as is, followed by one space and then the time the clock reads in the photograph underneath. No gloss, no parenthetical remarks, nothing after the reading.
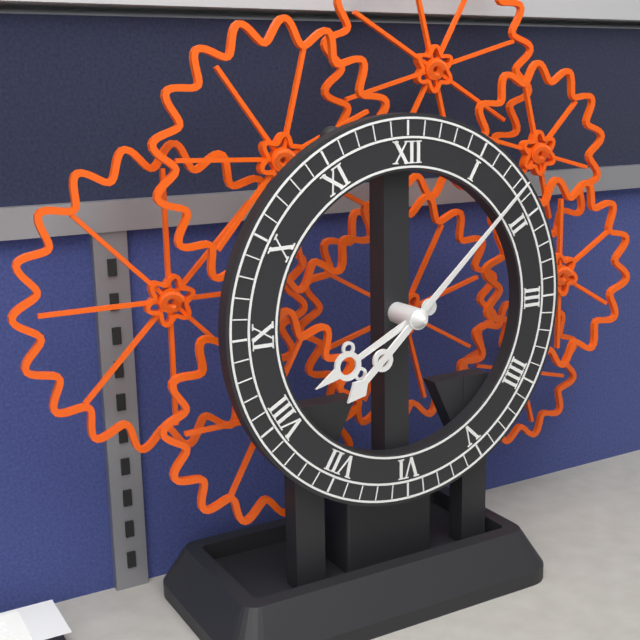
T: 8:08
